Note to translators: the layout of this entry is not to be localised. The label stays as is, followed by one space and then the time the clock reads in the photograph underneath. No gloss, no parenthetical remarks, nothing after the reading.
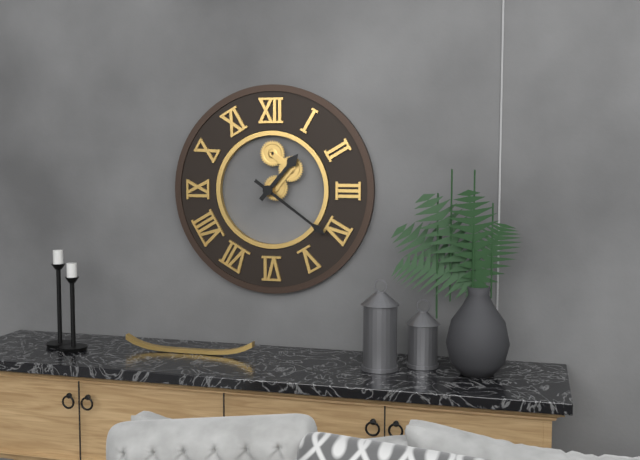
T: 1:21
